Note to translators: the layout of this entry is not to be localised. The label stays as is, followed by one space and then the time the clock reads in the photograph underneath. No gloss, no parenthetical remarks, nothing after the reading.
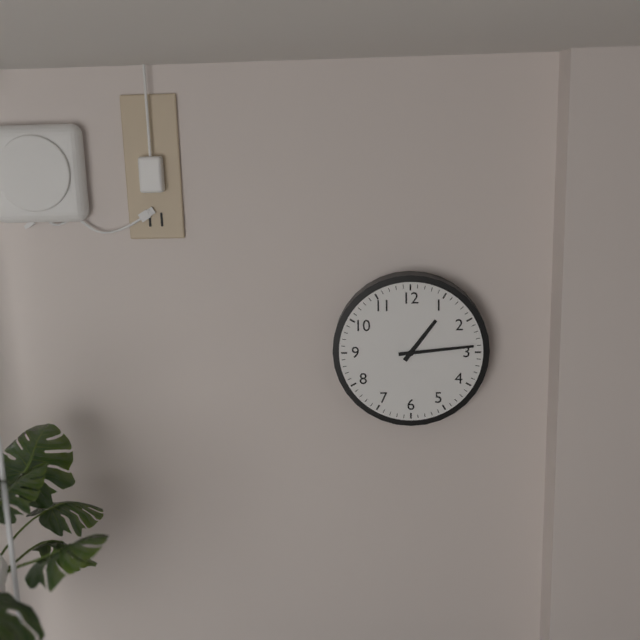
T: 1:14
